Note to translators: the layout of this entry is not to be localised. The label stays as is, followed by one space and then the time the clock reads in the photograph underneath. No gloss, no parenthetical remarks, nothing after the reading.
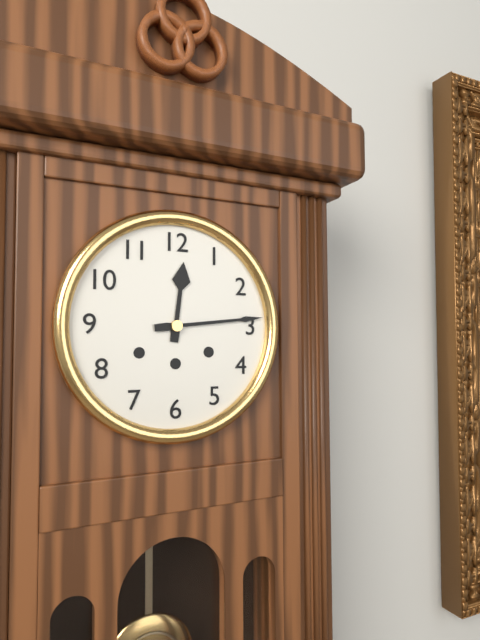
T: 12:14
